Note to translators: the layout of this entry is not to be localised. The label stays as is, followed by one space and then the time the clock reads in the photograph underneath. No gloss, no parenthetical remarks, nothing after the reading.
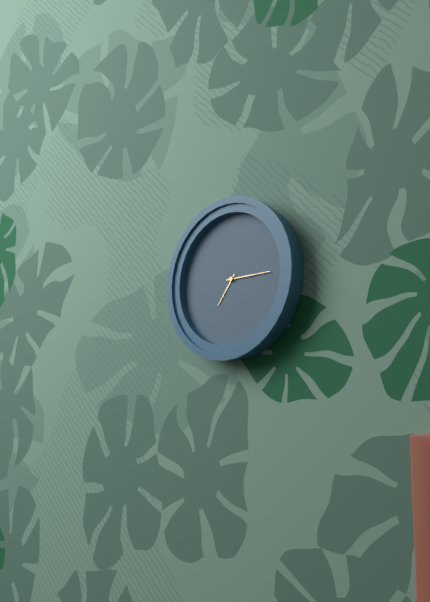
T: 7:15
